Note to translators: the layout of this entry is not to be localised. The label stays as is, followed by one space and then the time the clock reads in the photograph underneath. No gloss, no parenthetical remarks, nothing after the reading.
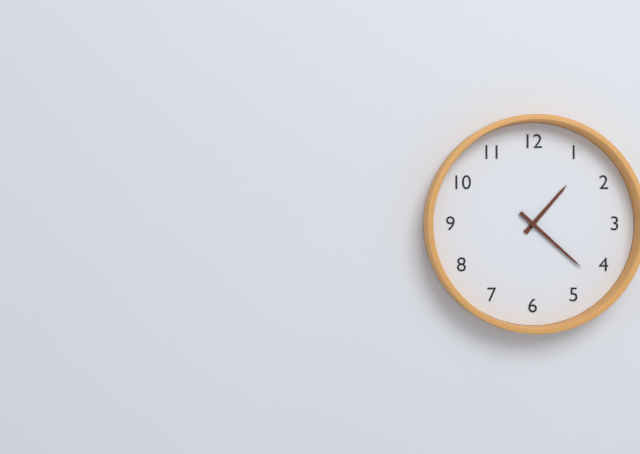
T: 1:22
